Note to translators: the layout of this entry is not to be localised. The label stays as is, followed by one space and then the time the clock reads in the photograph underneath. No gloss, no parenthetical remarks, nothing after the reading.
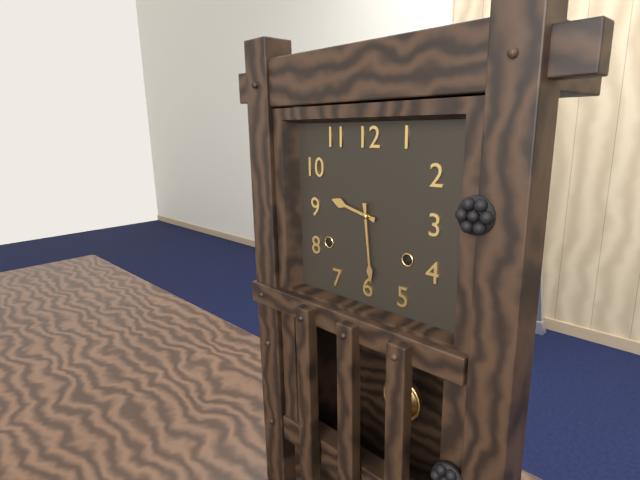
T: 9:29
